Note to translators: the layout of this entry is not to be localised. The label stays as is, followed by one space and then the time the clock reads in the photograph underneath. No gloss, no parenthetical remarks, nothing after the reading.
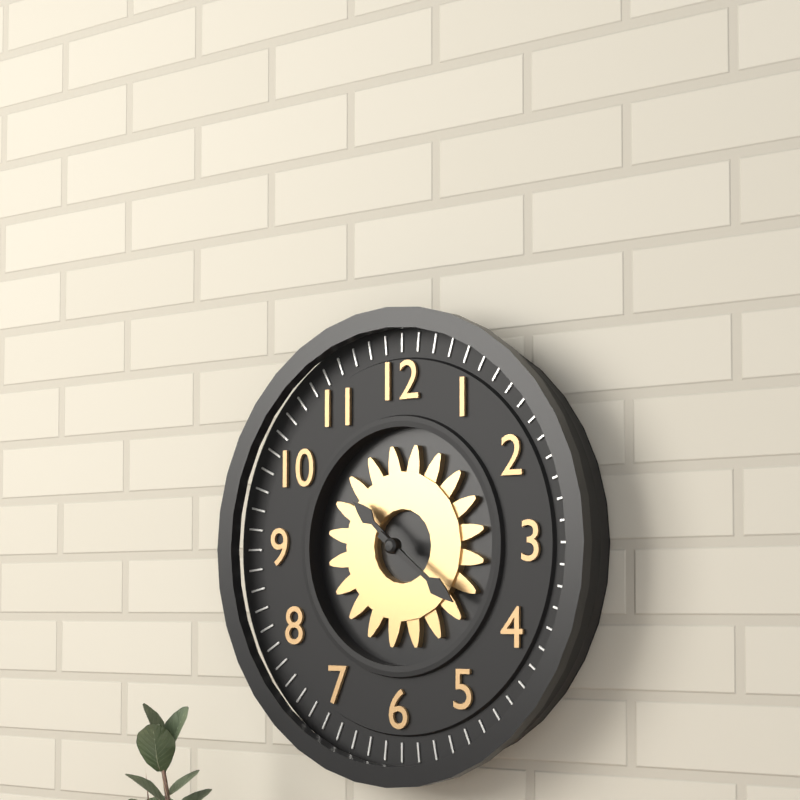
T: 10:21
